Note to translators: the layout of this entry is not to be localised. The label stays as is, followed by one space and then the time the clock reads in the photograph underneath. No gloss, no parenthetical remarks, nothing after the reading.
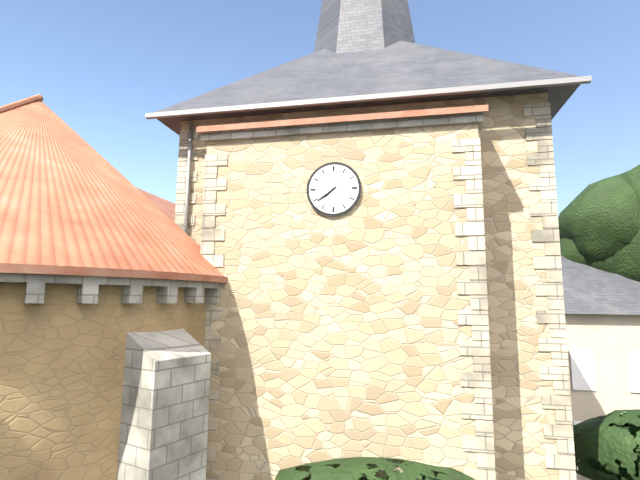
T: 7:39
